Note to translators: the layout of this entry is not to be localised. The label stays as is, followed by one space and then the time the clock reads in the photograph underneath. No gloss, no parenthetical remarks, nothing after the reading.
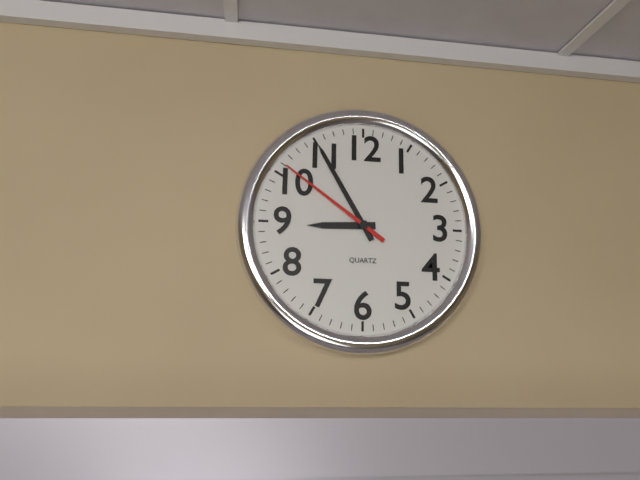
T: 8:55:51
